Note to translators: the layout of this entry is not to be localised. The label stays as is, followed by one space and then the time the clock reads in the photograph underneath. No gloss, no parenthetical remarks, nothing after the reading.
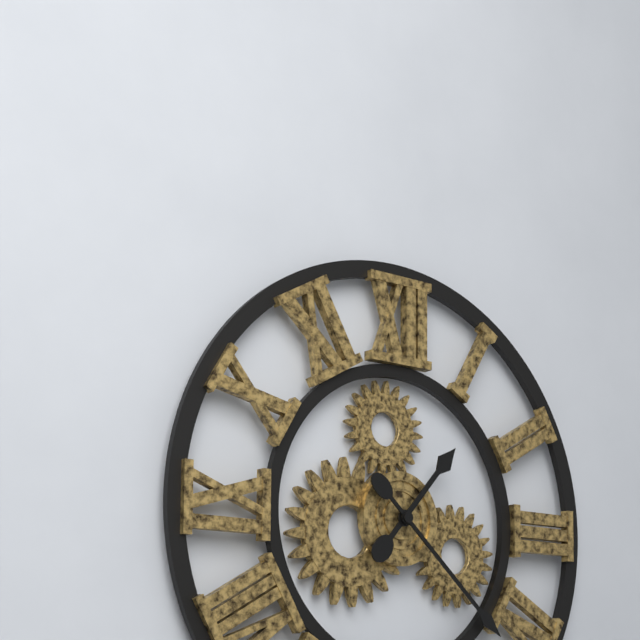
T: 1:22
